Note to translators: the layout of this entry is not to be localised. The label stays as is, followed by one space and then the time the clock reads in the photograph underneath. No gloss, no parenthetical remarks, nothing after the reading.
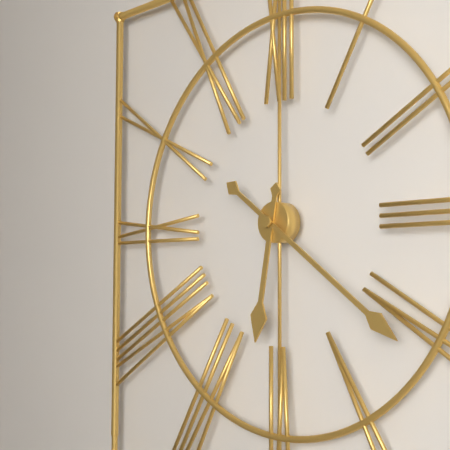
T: 6:21
